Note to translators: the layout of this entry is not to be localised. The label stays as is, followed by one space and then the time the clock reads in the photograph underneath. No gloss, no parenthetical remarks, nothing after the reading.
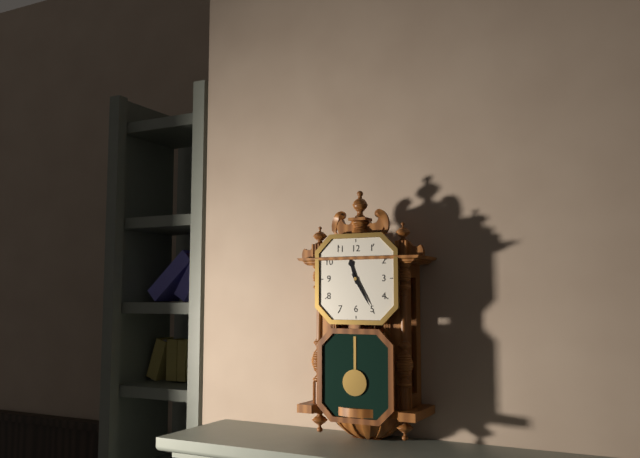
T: 11:25
